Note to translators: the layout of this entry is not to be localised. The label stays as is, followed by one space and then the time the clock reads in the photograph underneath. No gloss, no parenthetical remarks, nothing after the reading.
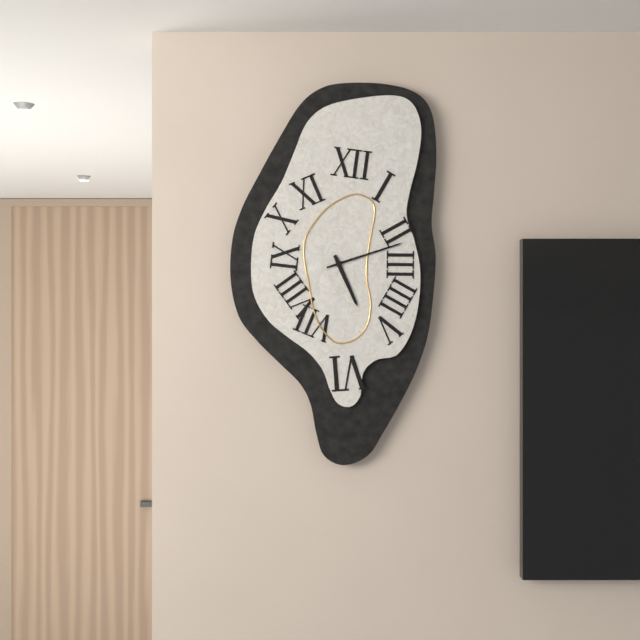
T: 5:12
